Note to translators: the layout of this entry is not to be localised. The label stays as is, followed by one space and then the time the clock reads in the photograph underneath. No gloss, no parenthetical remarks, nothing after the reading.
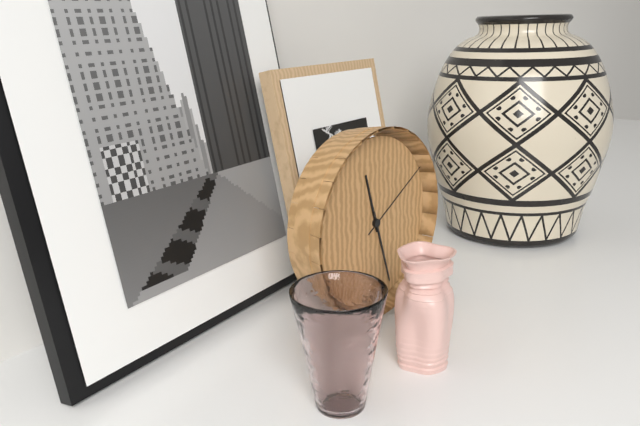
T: 11:27:10
